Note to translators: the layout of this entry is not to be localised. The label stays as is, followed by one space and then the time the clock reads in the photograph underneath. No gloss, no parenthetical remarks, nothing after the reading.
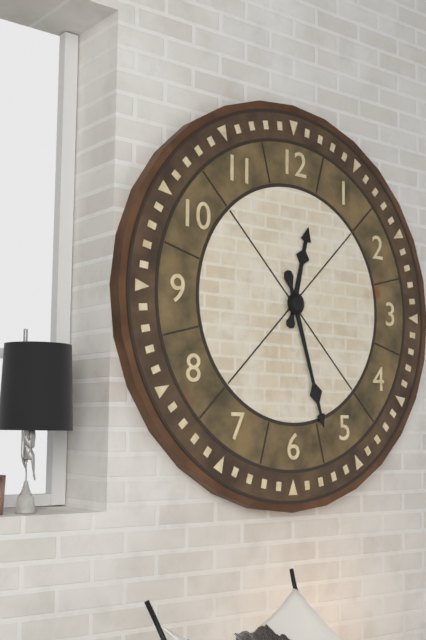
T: 12:27
